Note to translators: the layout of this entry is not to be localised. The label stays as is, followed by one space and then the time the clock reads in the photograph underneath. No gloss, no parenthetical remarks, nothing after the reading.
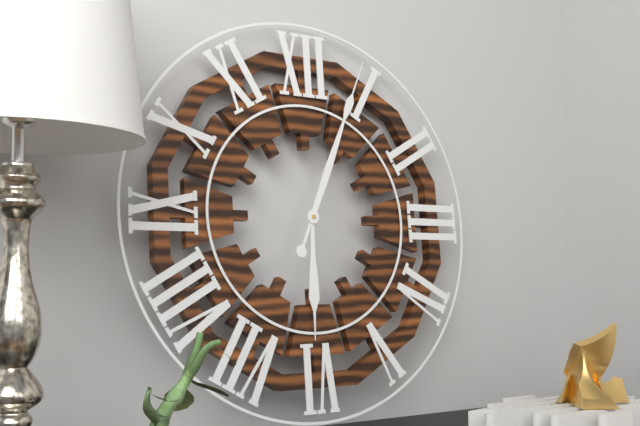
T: 6:04
